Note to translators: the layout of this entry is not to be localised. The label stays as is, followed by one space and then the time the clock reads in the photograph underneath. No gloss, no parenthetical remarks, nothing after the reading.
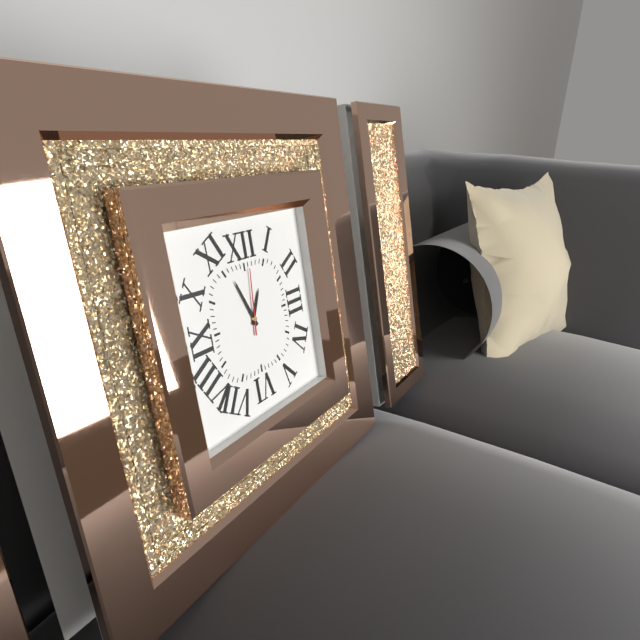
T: 12:56:01
